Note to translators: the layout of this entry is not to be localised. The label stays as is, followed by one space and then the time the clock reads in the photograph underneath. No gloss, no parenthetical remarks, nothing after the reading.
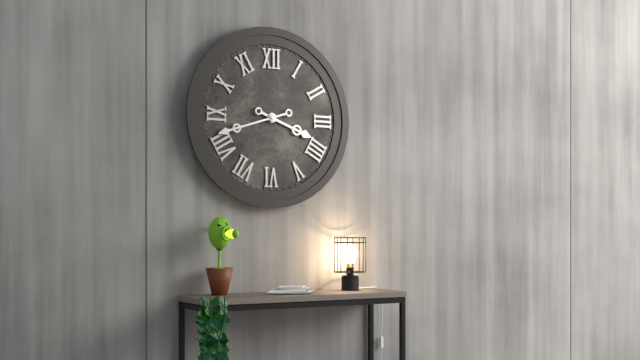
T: 3:42
